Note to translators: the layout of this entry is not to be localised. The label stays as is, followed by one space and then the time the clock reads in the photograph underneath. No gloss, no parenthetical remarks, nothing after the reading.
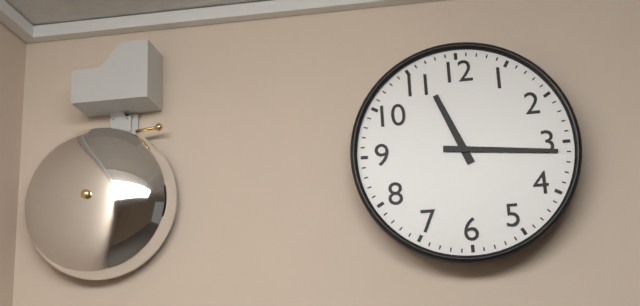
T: 11:16
